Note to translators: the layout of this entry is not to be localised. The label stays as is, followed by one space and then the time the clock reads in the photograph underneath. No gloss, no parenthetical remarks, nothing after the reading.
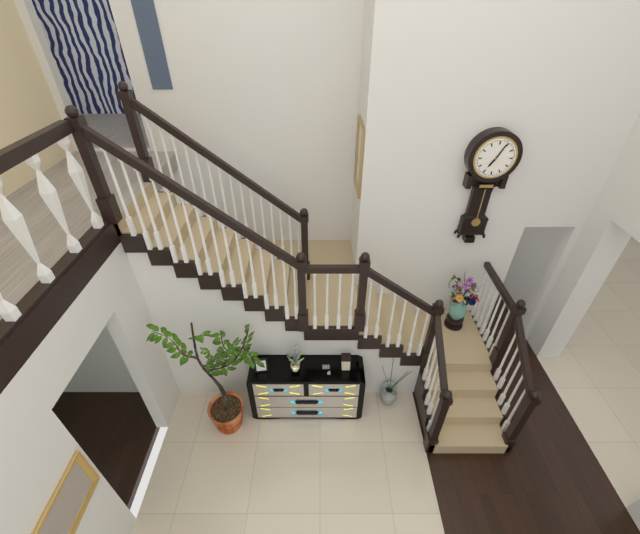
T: 7:04
